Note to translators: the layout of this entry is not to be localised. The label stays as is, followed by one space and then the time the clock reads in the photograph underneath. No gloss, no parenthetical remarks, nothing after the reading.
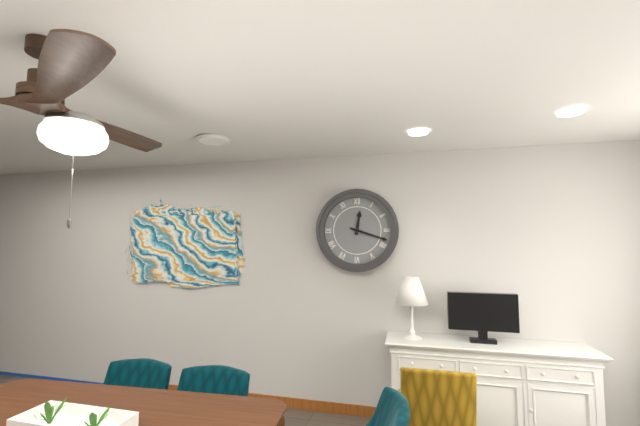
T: 12:18
